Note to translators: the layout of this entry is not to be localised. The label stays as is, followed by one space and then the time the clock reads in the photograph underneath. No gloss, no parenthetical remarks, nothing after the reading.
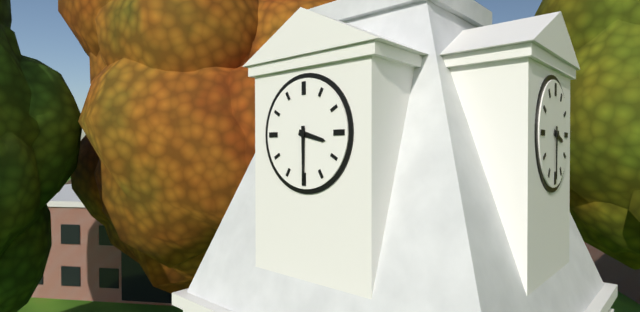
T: 3:30
